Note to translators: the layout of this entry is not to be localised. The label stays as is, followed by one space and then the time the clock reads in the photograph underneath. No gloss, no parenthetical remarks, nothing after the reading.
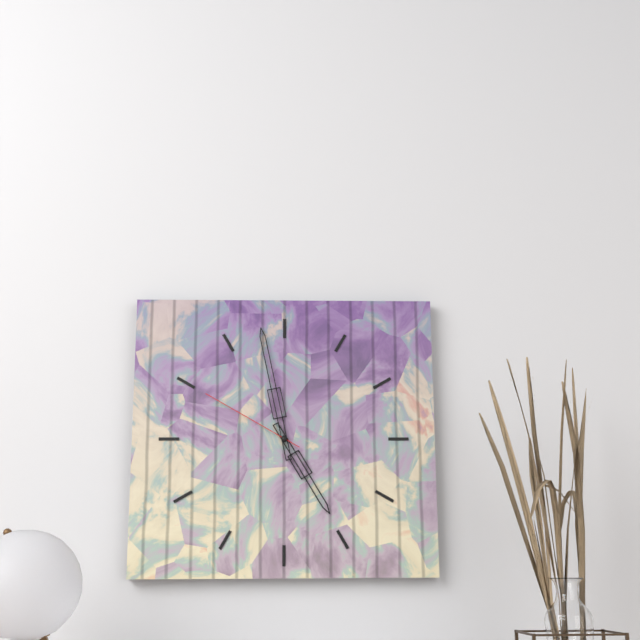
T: 4:58:50
